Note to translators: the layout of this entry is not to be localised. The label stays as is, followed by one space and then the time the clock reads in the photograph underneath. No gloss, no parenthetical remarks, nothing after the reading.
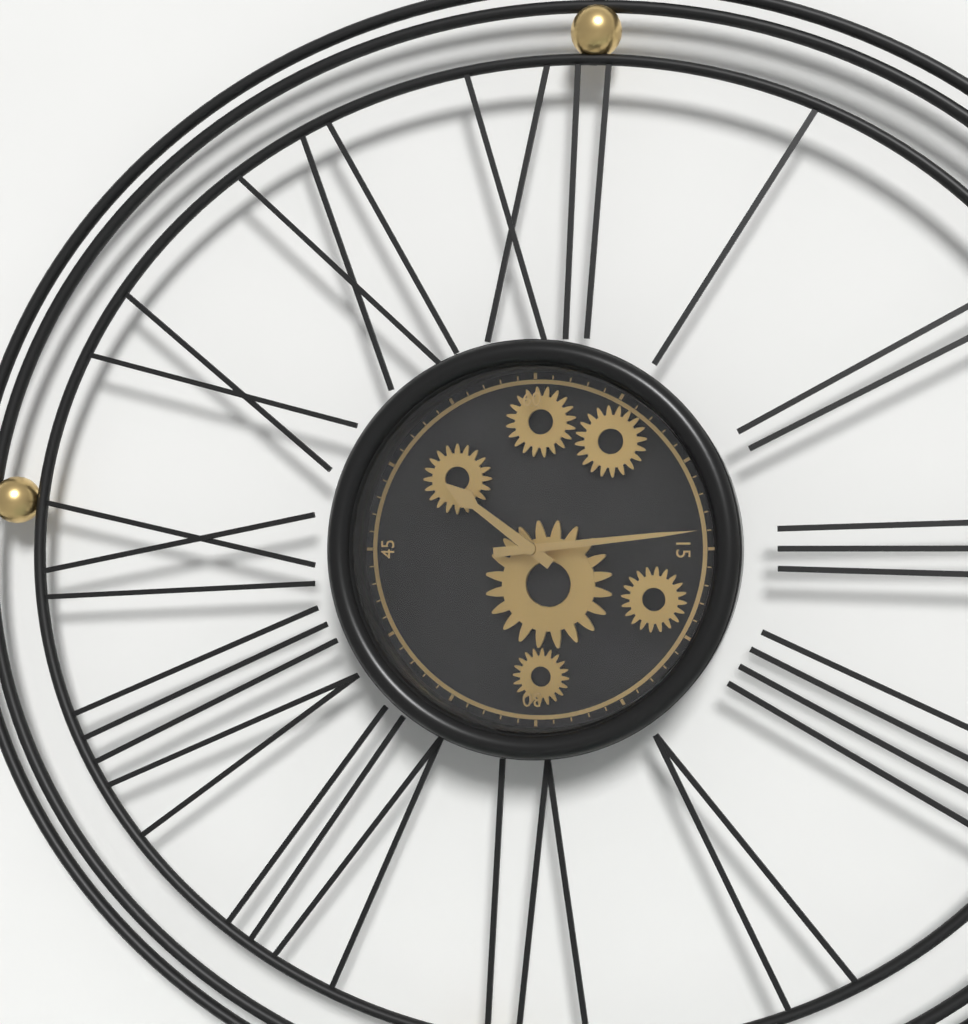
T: 10:14
